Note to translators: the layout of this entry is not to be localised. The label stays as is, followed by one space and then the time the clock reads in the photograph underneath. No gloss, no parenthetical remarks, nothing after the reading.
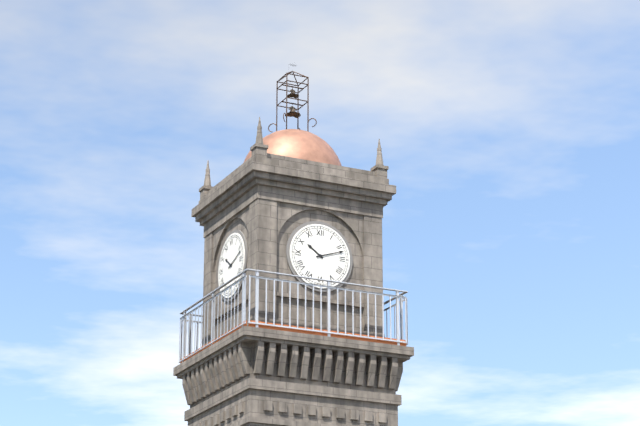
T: 10:12
